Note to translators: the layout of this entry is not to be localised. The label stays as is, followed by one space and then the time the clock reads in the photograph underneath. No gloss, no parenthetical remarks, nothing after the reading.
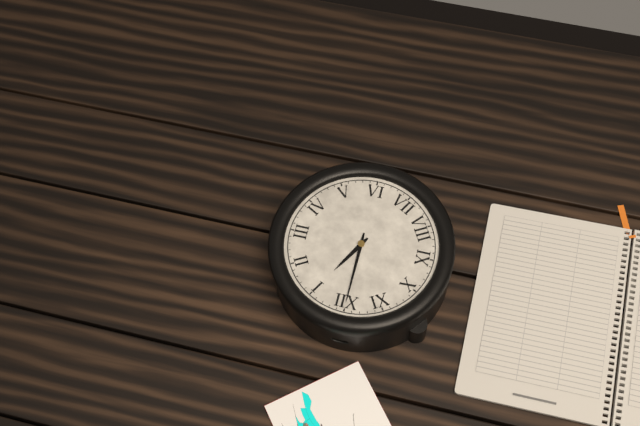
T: 1:00
